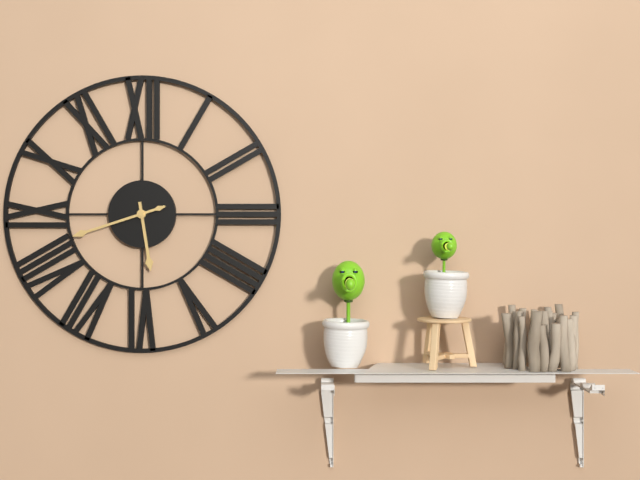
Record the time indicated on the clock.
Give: 5:42
